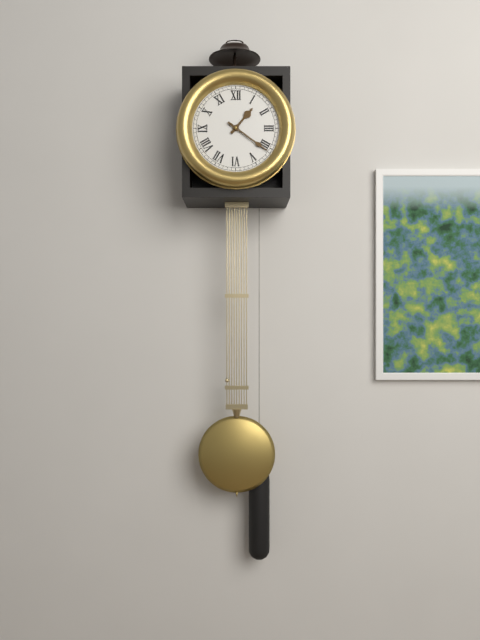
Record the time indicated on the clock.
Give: 1:21
